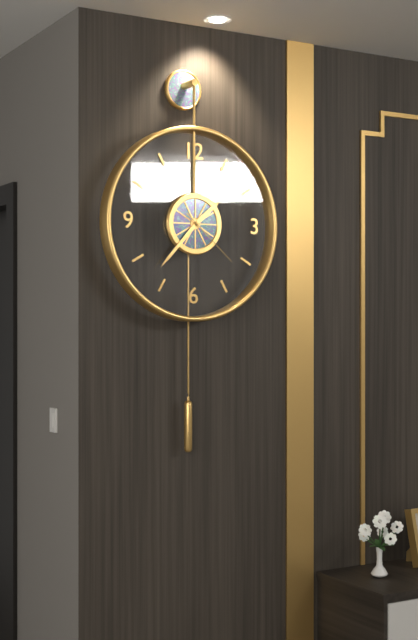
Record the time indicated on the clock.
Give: 1:37:22
